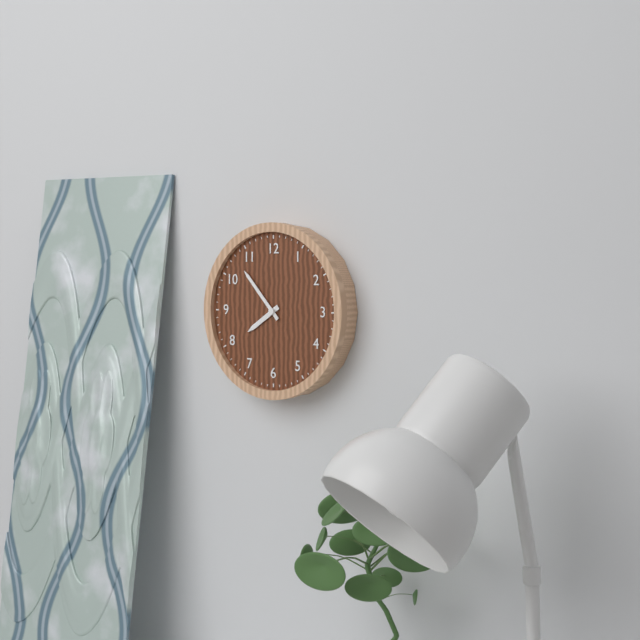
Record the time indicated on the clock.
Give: 7:53
